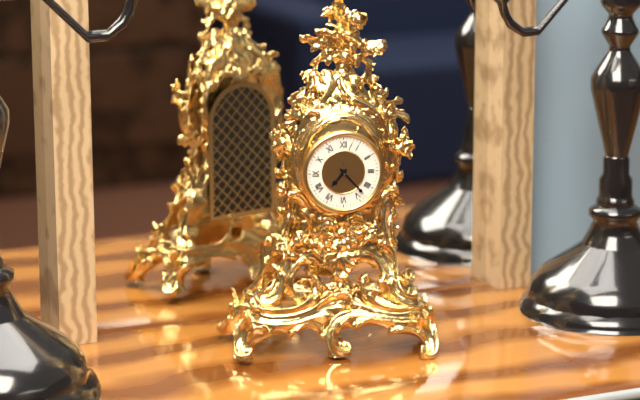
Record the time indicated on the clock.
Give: 7:23
